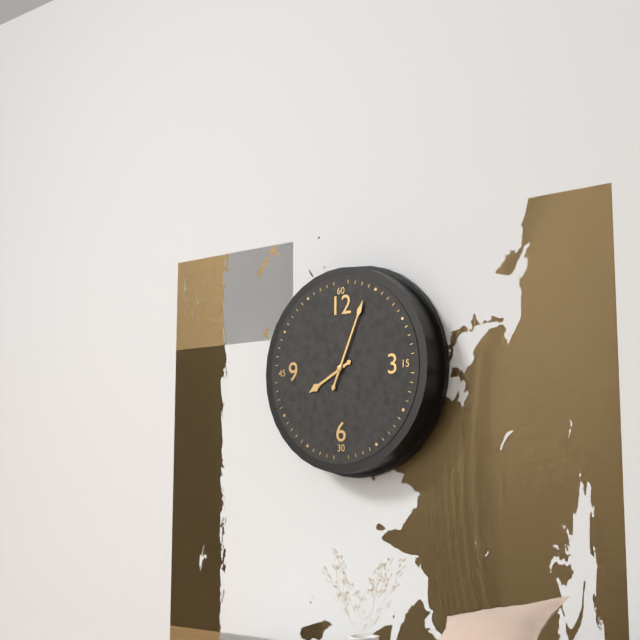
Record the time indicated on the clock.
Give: 8:04
